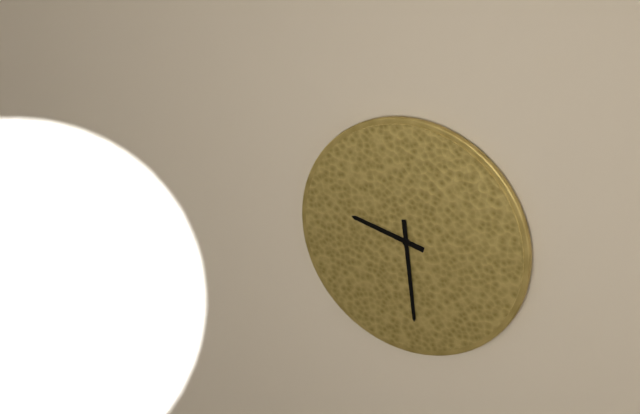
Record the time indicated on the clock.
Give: 9:29
